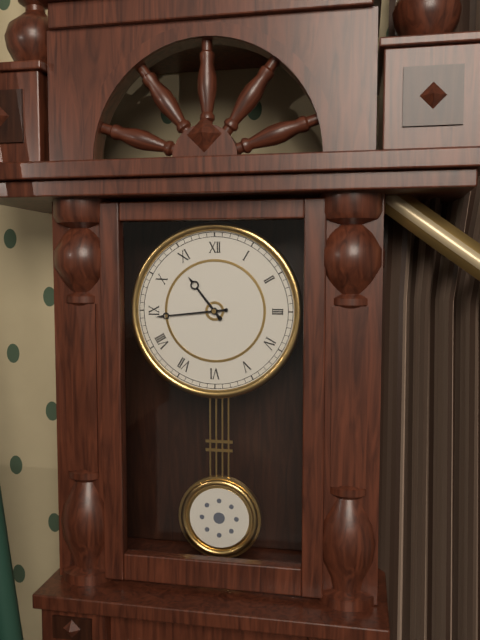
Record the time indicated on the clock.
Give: 10:44
